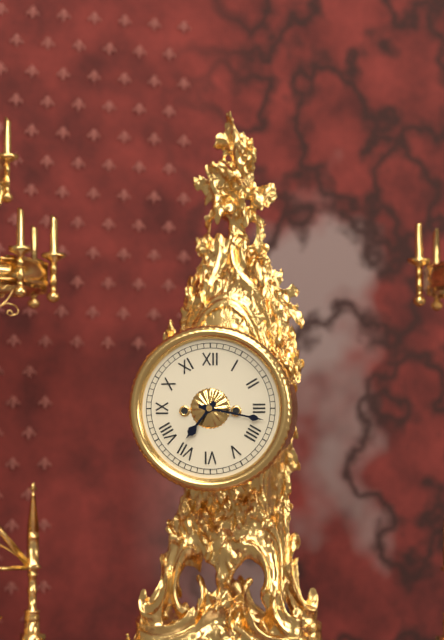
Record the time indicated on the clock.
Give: 7:17
